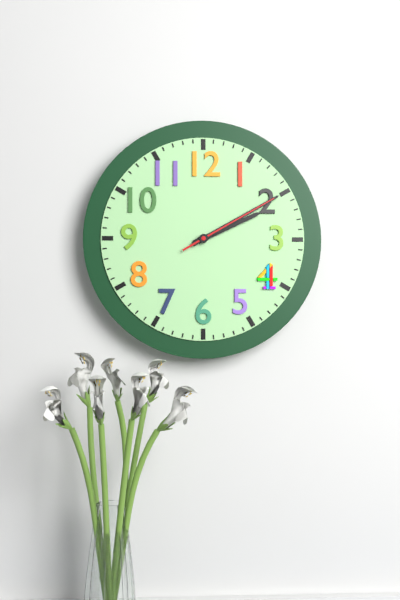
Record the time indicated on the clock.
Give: 2:10:10
